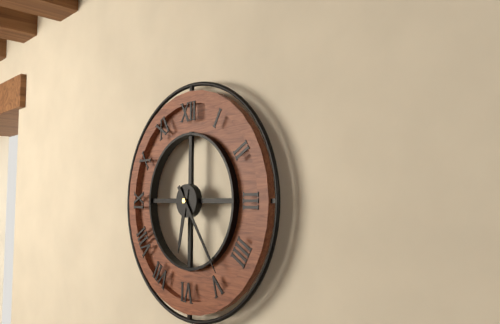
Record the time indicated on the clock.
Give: 6:24
